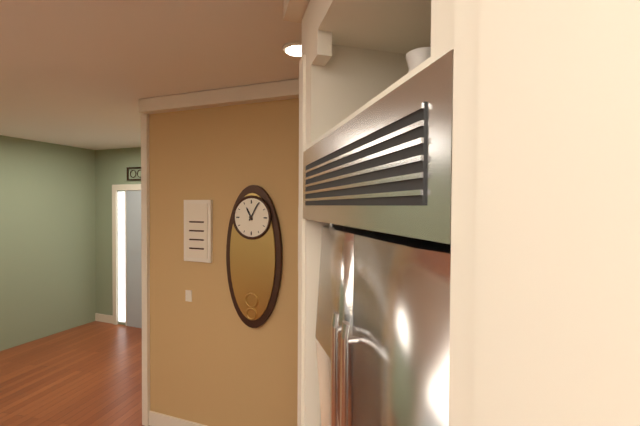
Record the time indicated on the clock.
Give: 11:05
